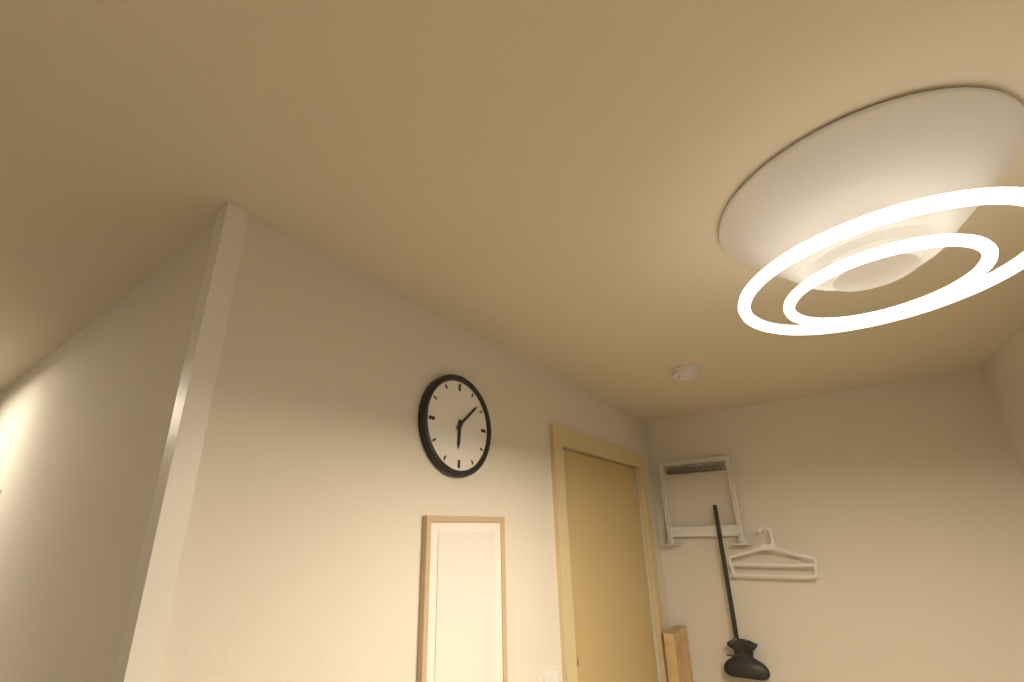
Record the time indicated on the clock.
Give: 6:08
